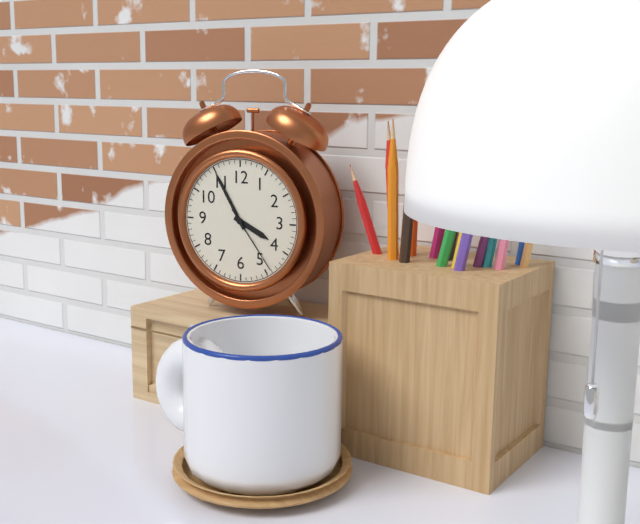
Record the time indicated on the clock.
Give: 3:55:24
